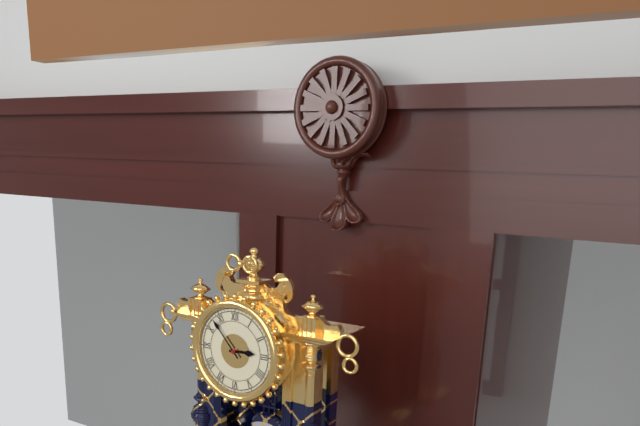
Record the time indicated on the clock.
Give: 2:53
